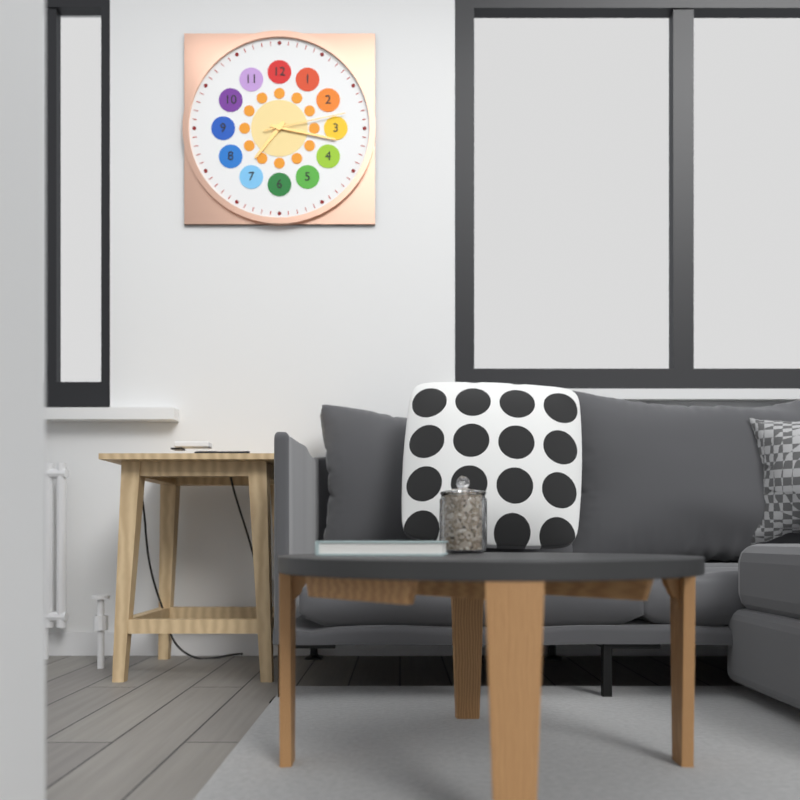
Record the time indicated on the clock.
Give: 7:17:13
